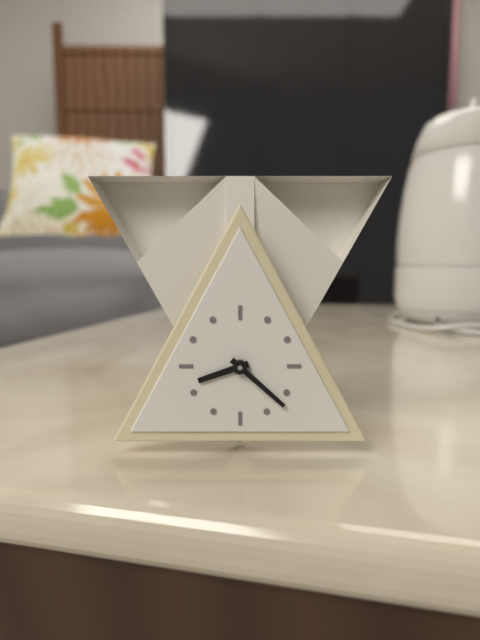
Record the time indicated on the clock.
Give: 8:22
